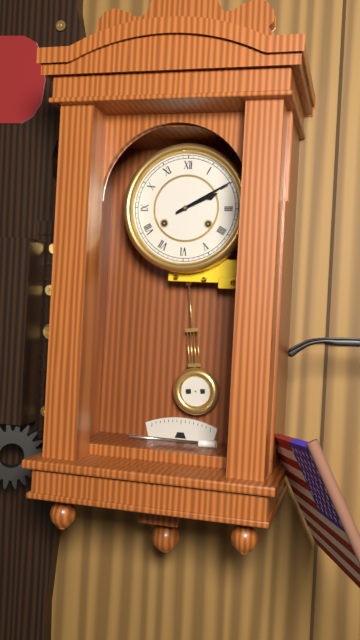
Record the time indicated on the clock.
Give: 2:10
